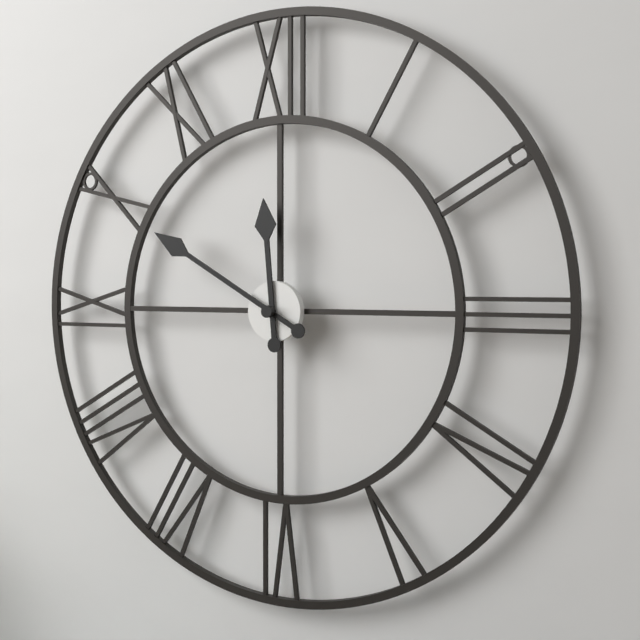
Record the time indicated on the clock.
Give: 11:50
